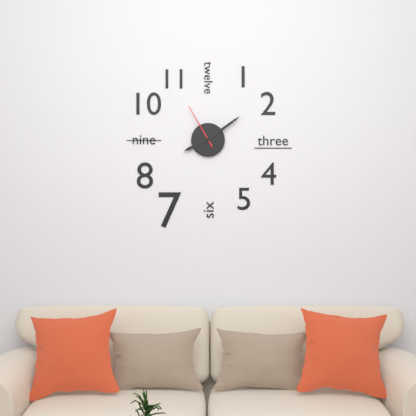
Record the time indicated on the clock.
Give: 8:09
